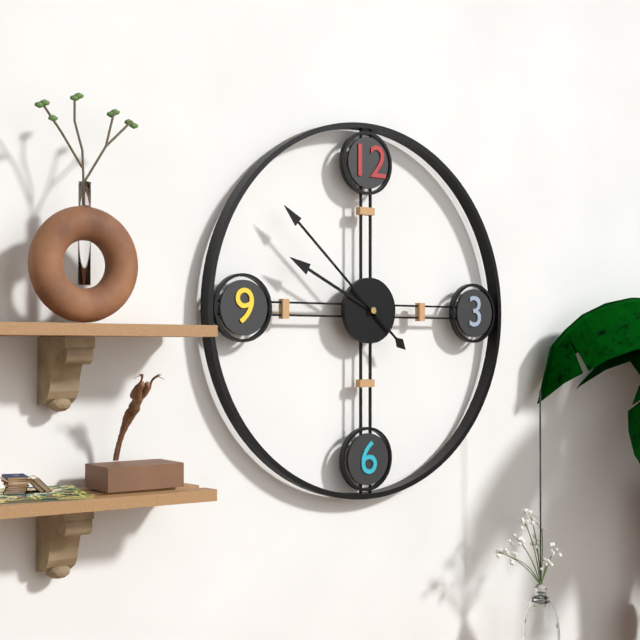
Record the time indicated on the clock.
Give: 9:52
